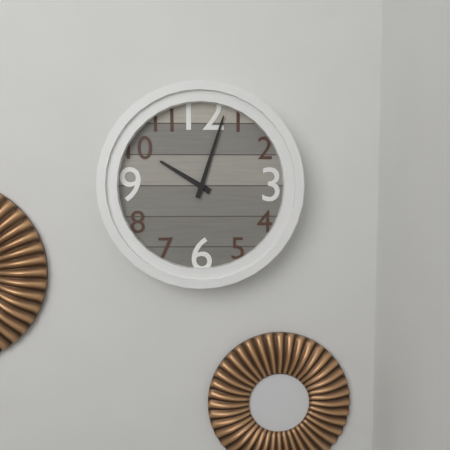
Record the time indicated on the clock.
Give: 10:03
